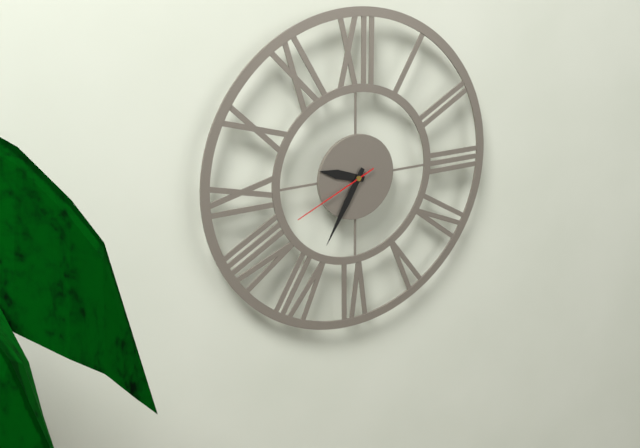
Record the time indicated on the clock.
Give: 9:35:41
